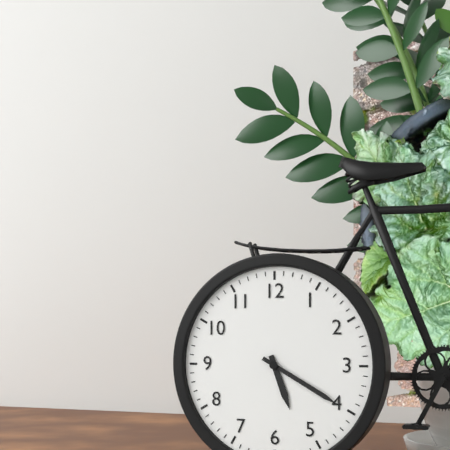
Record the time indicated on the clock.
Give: 5:20
